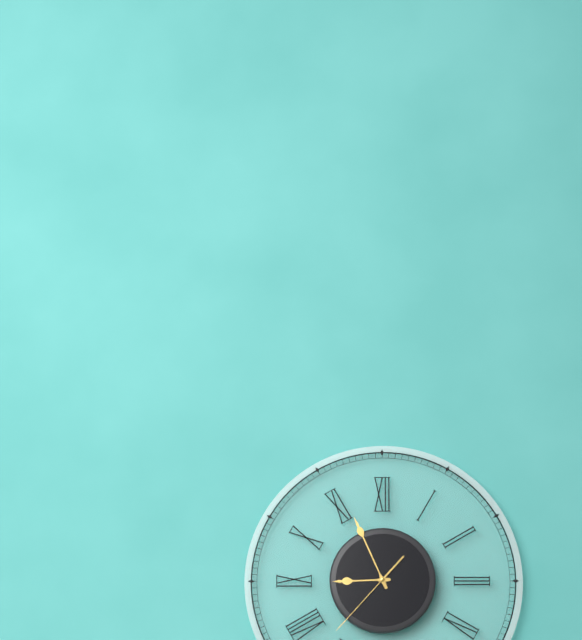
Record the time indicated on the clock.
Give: 8:56:37
